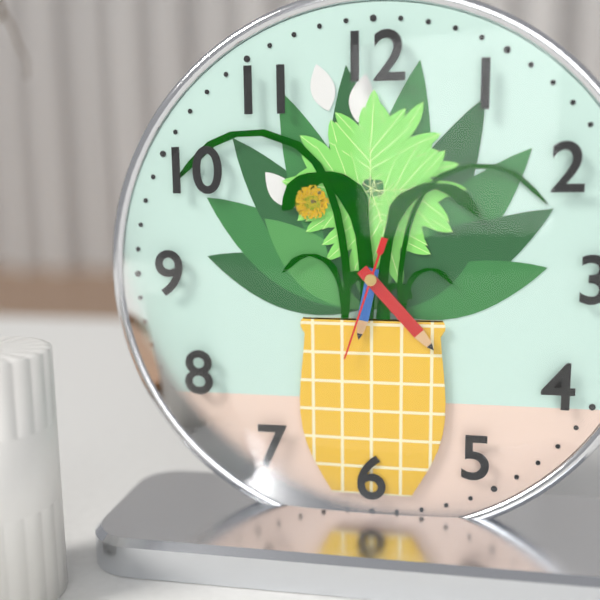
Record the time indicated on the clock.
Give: 6:23:33
